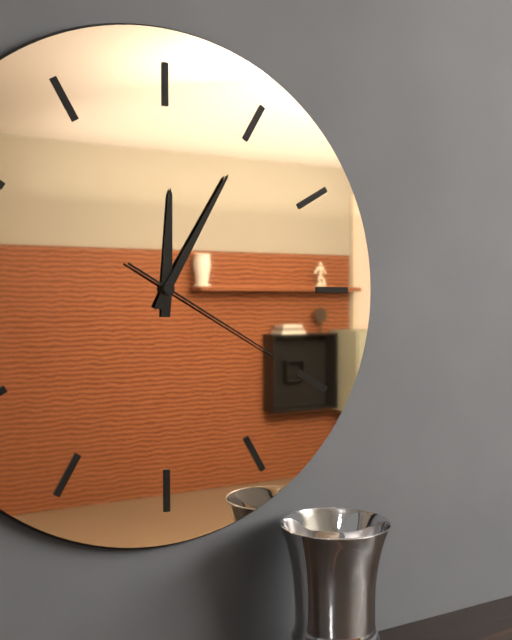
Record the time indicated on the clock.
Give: 12:05:20
